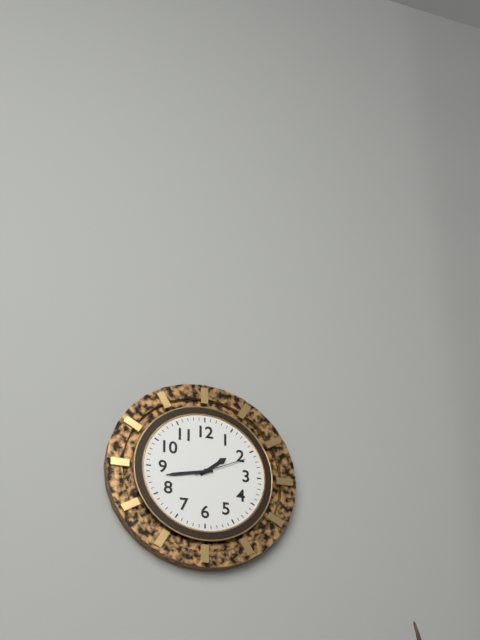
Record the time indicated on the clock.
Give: 1:43:11
